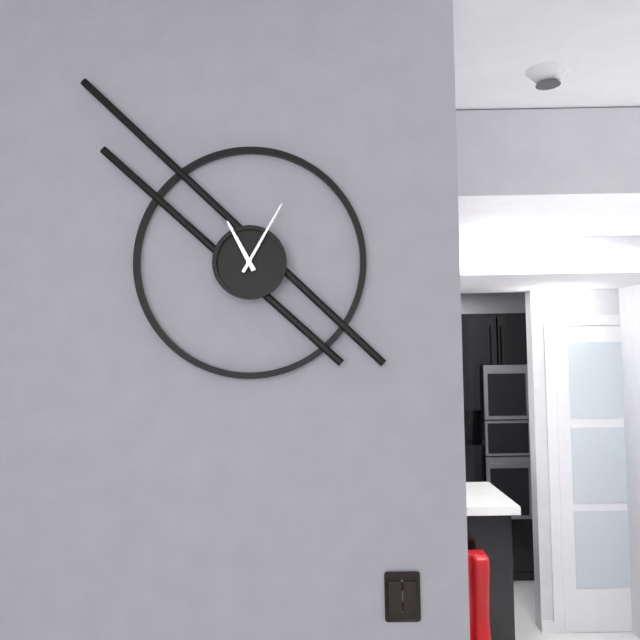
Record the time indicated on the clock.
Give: 11:05
